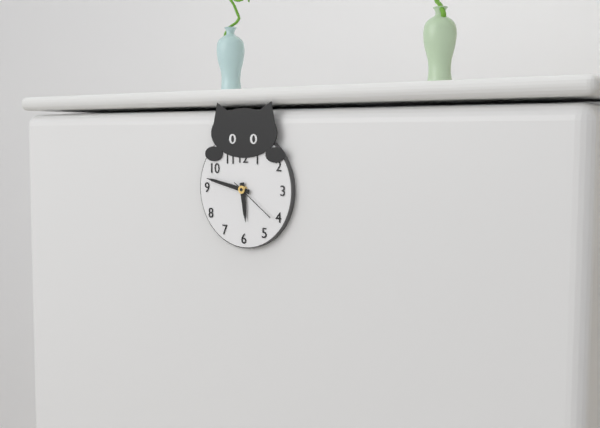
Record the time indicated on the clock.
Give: 5:47:21
